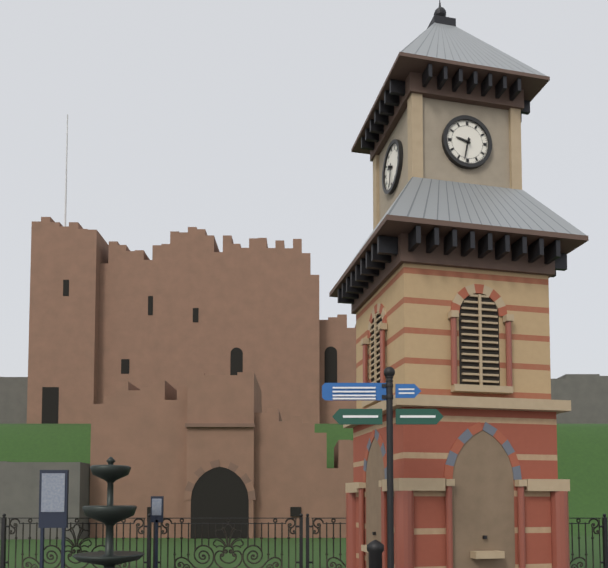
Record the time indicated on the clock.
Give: 9:32
